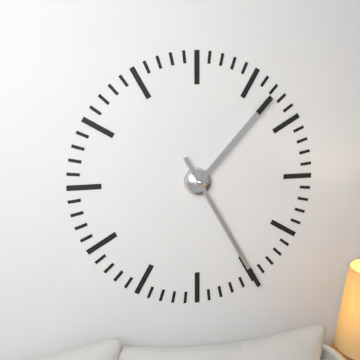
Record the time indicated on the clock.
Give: 1:25
